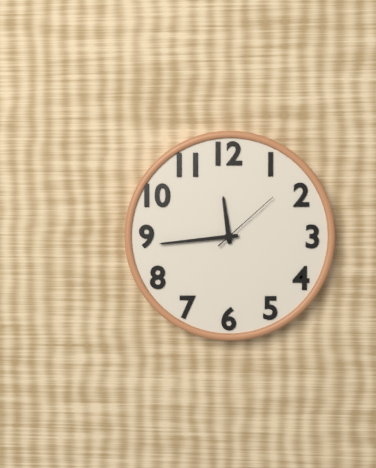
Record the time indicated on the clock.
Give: 11:44:08
